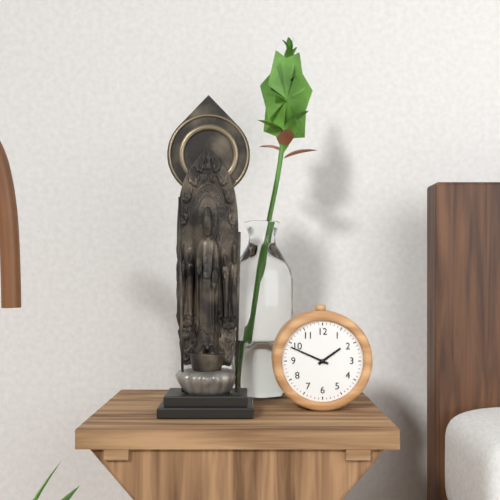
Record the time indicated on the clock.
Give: 1:49
